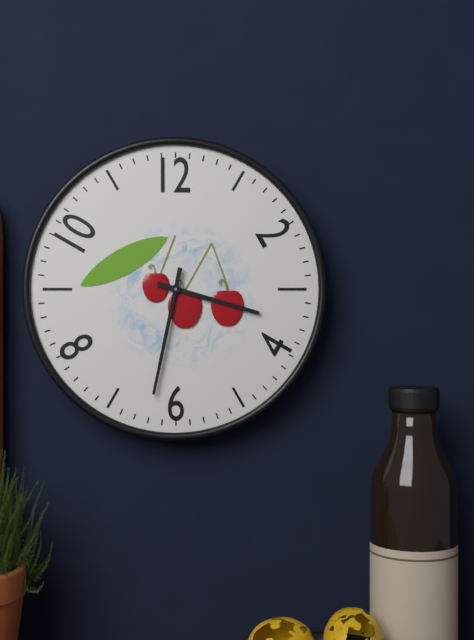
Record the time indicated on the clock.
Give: 3:32
